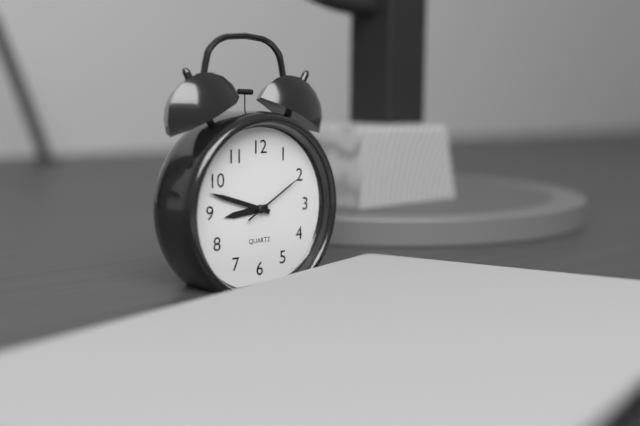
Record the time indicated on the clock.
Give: 8:48:10
